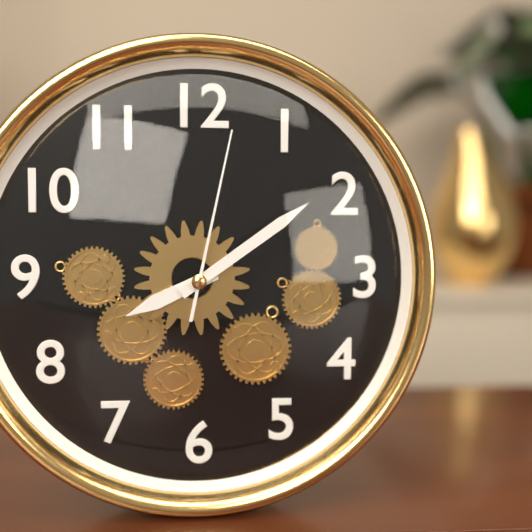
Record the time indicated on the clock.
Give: 8:09:02
